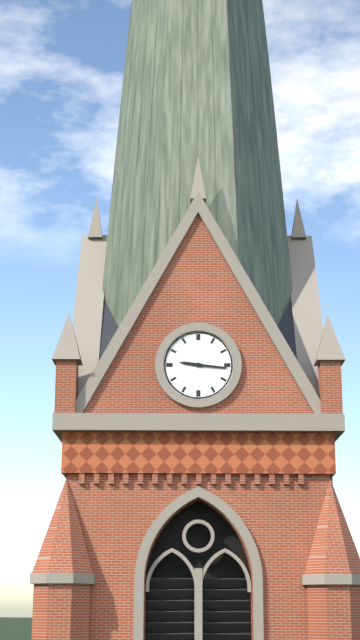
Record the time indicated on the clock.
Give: 9:16
